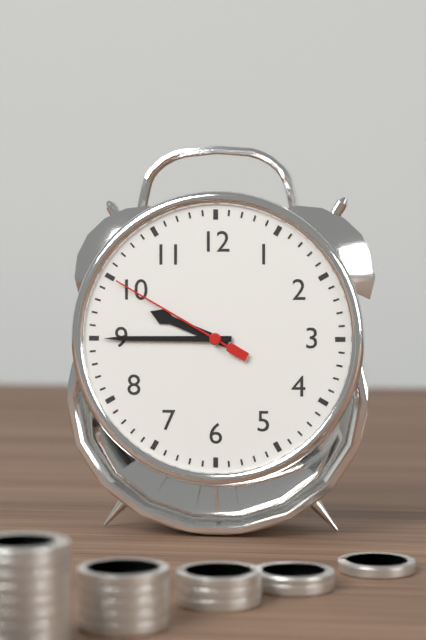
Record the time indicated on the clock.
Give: 9:45:50
